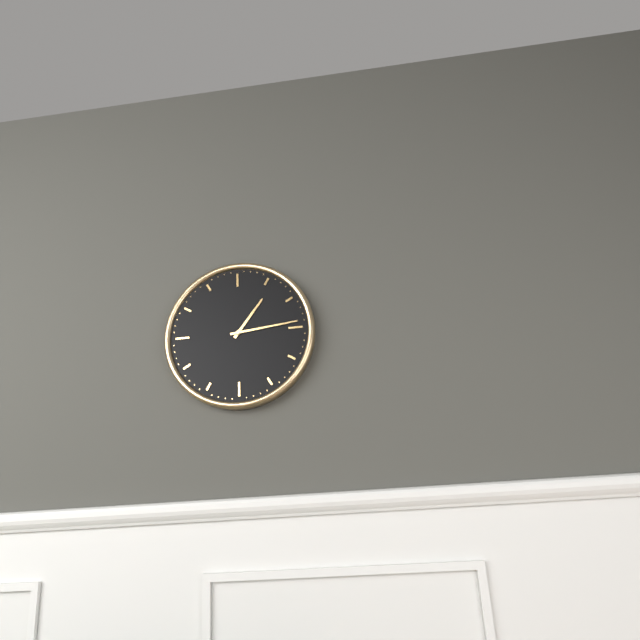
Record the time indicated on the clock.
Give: 1:14
